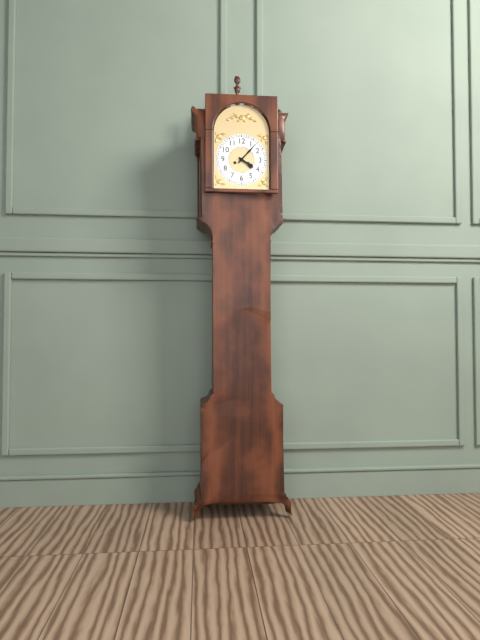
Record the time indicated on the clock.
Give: 4:07
